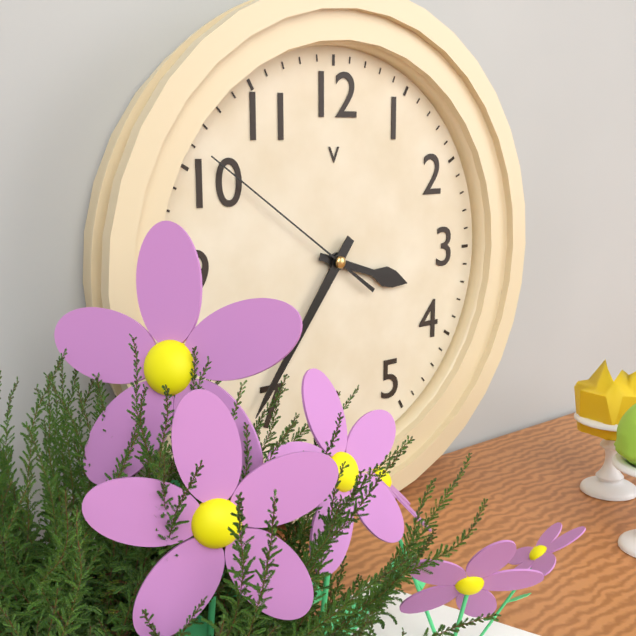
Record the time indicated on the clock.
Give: 3:36:51
